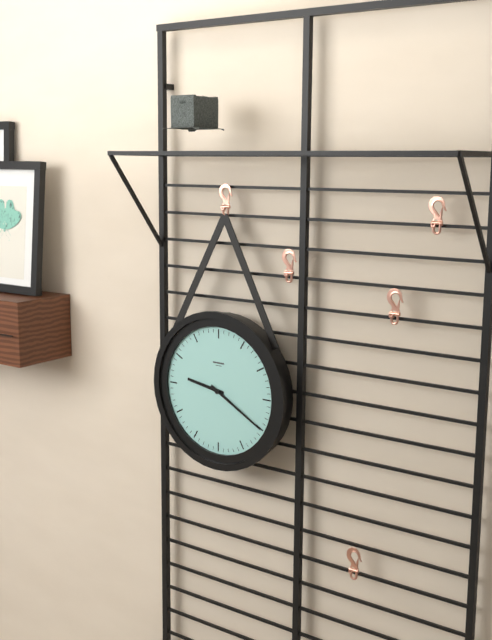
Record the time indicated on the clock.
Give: 9:20
